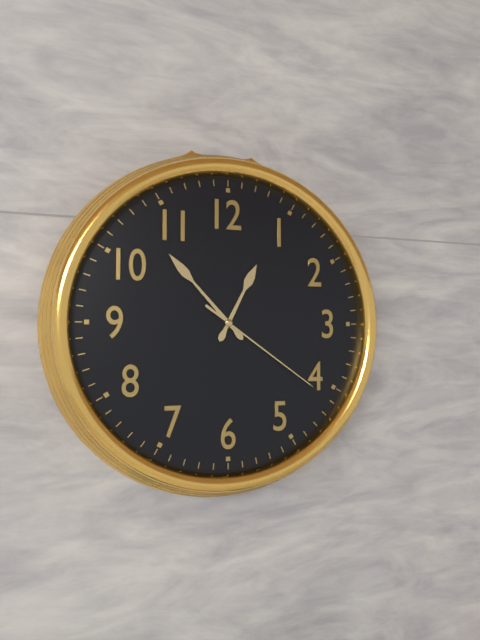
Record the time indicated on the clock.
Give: 12:53:21
